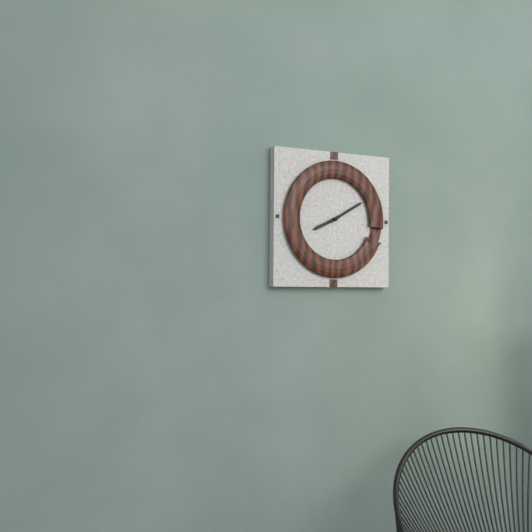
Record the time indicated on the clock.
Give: 8:10
